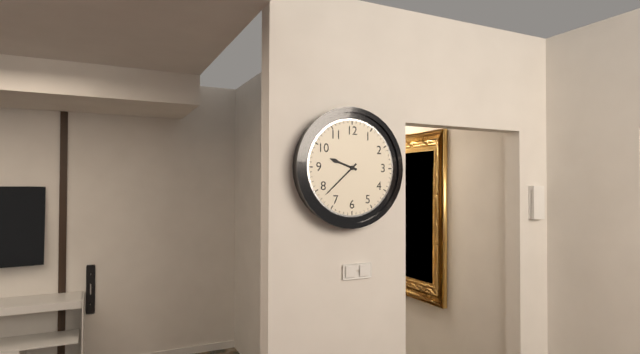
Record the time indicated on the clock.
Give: 9:38
